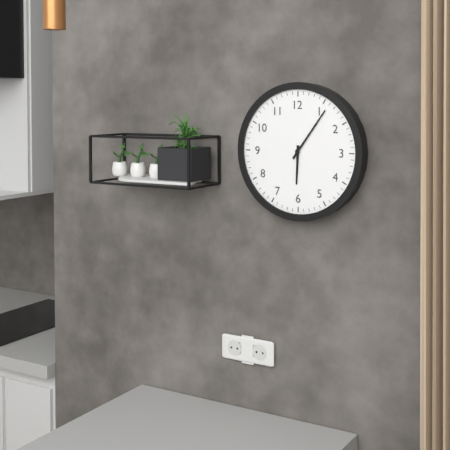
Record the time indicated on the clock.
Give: 6:06
